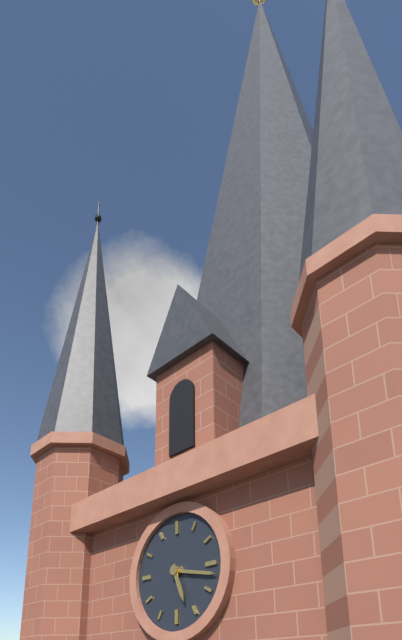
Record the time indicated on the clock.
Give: 5:17
